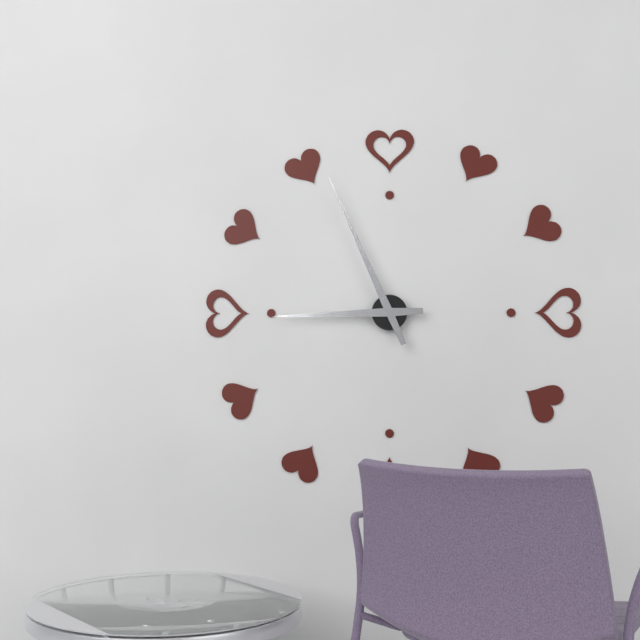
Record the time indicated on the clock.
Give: 8:56
